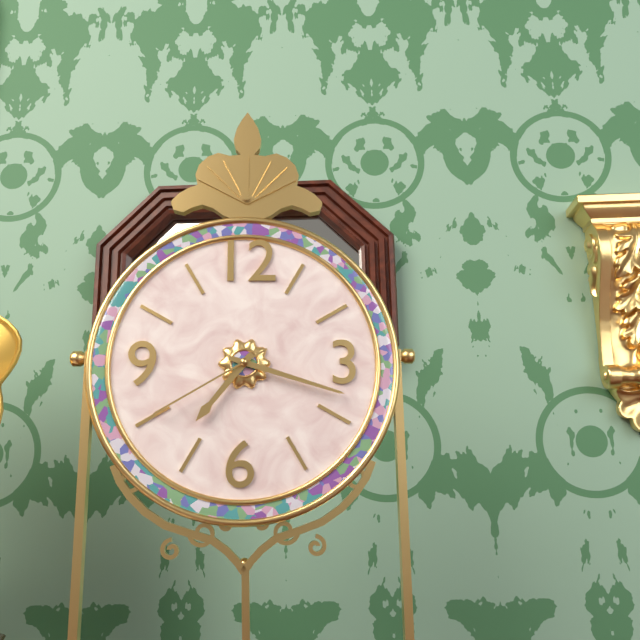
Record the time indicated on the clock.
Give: 7:18:40
